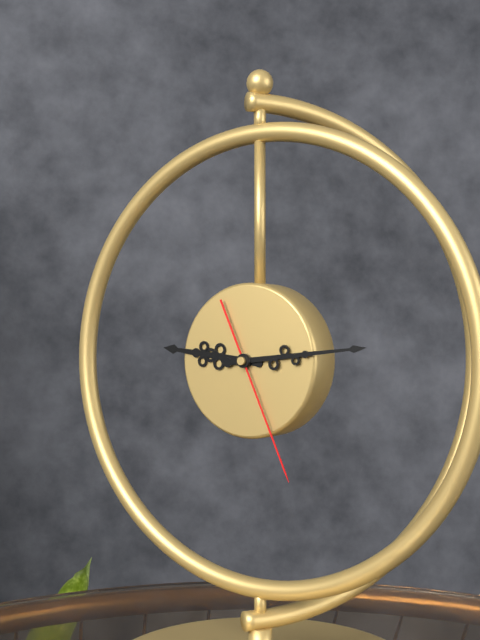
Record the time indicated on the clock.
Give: 9:14:26
